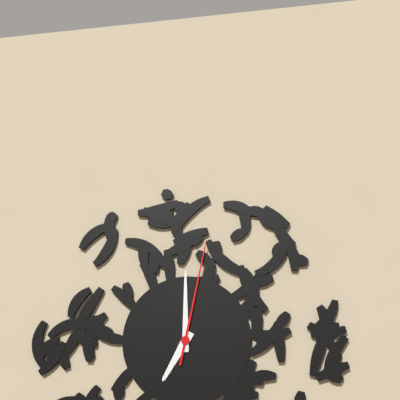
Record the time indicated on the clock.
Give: 7:00:02
